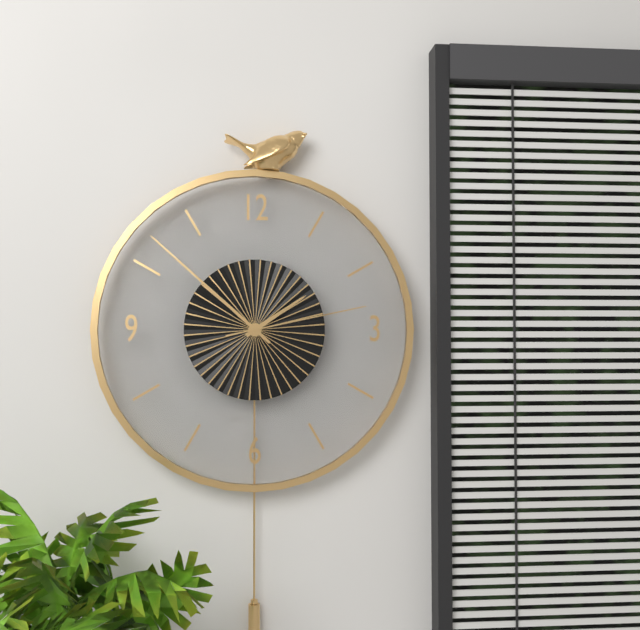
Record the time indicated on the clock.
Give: 1:52:13
